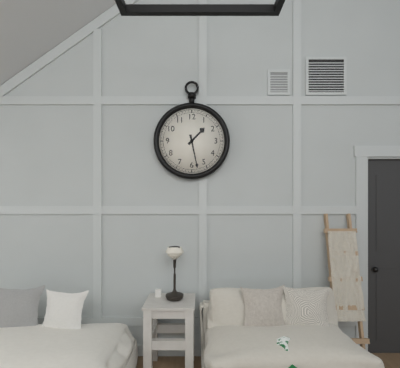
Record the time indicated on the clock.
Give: 1:28
